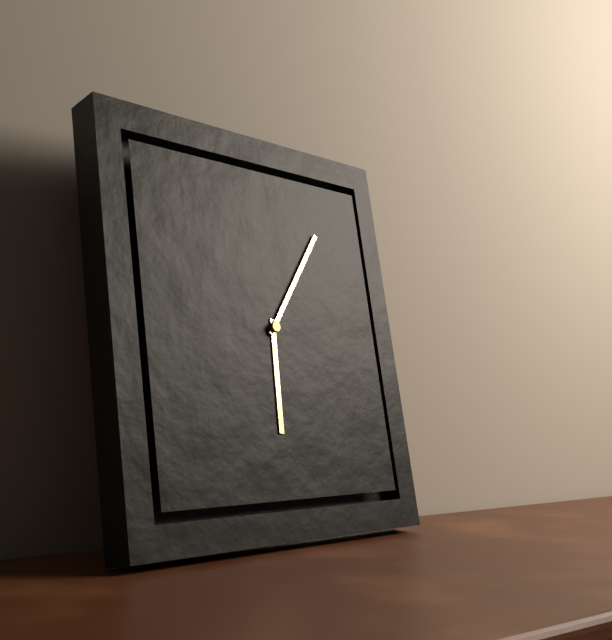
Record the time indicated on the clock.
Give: 6:06
